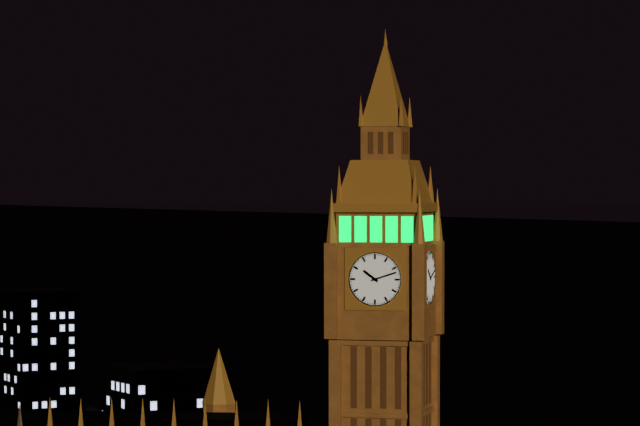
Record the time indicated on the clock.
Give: 10:12
